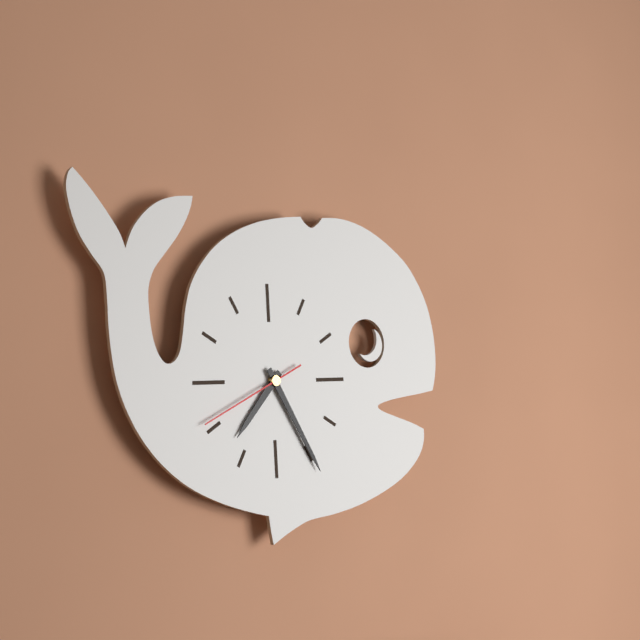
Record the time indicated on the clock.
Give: 7:25:41
